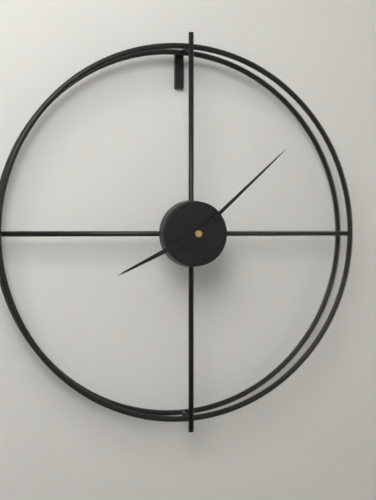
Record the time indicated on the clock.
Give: 8:08
